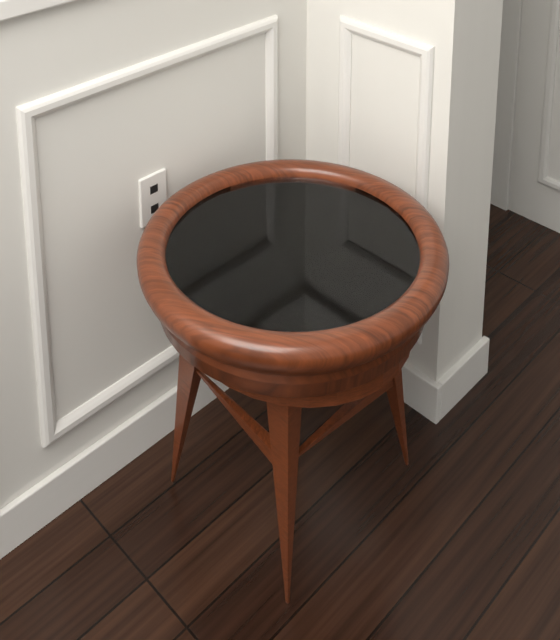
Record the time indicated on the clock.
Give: 12:09
